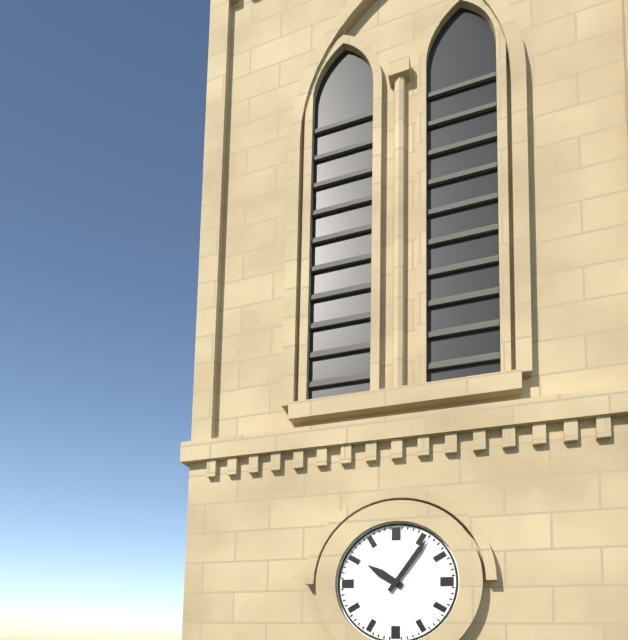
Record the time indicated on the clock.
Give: 10:06
